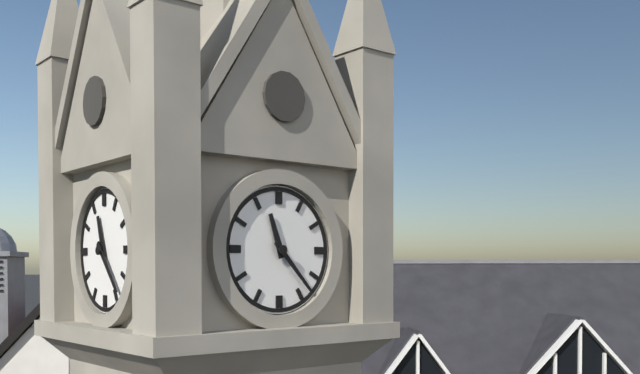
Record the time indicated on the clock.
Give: 11:23
